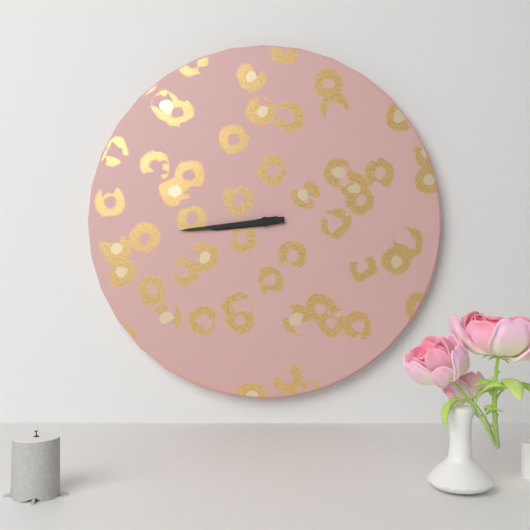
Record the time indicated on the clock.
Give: 8:44
